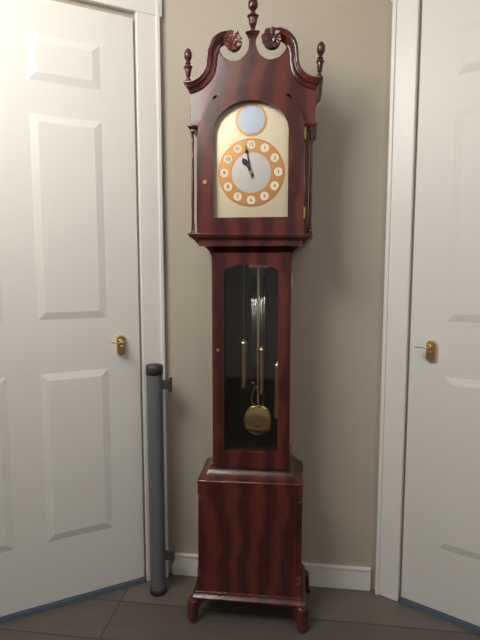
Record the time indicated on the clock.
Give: 10:58
